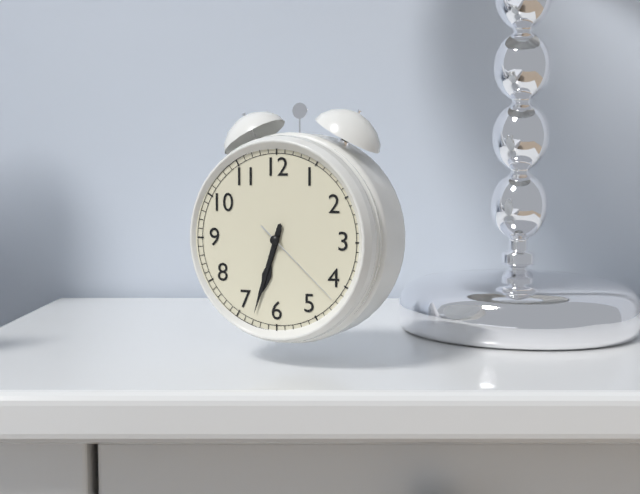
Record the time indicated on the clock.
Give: 6:33:22
